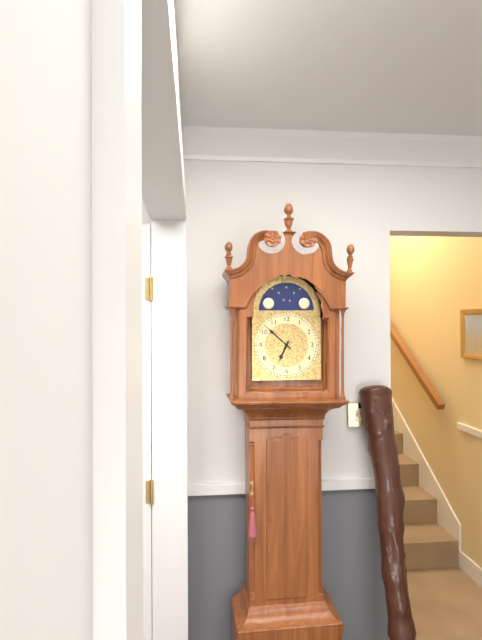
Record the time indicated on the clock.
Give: 6:52
